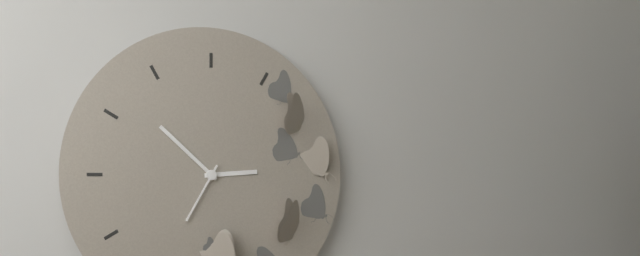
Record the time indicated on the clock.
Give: 2:52:35
